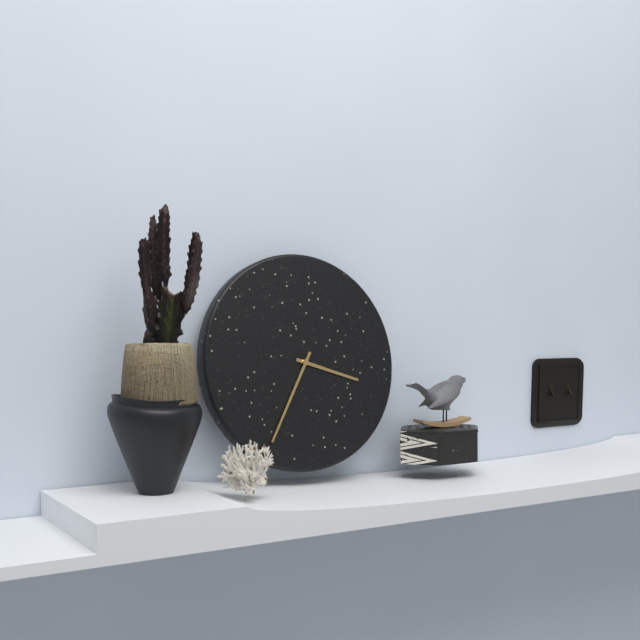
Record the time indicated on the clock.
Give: 3:35
